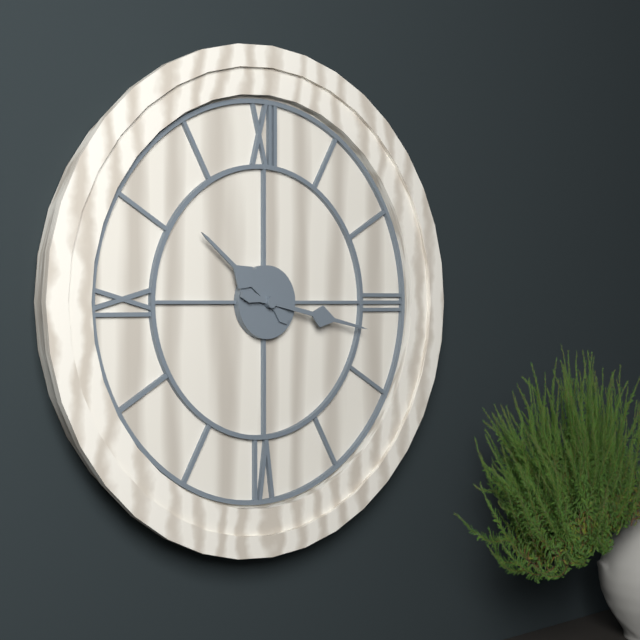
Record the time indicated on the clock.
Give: 10:17
